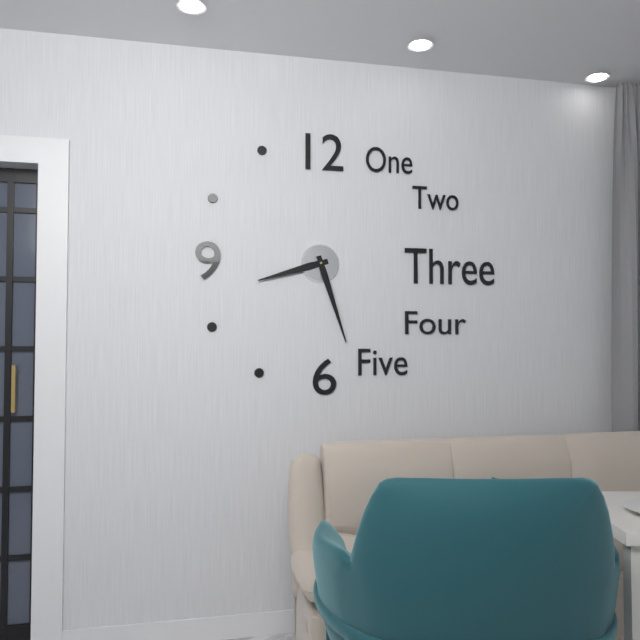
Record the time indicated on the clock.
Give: 8:27
